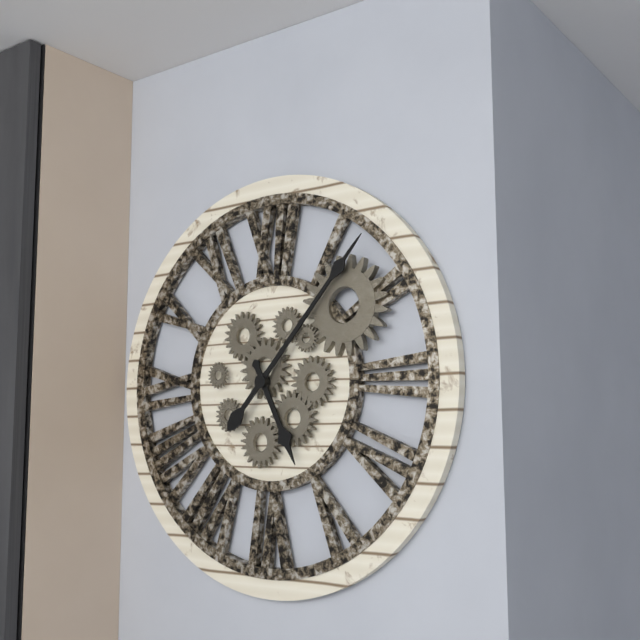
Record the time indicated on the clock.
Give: 5:07
